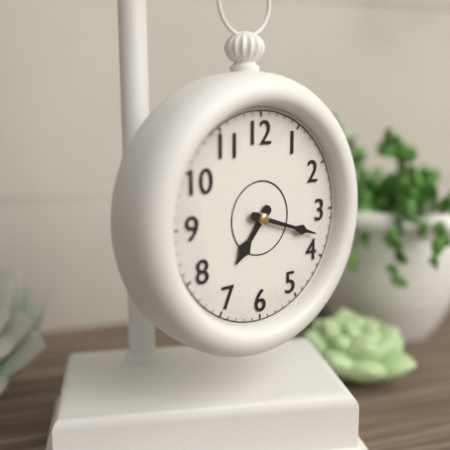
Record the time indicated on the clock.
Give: 7:18
